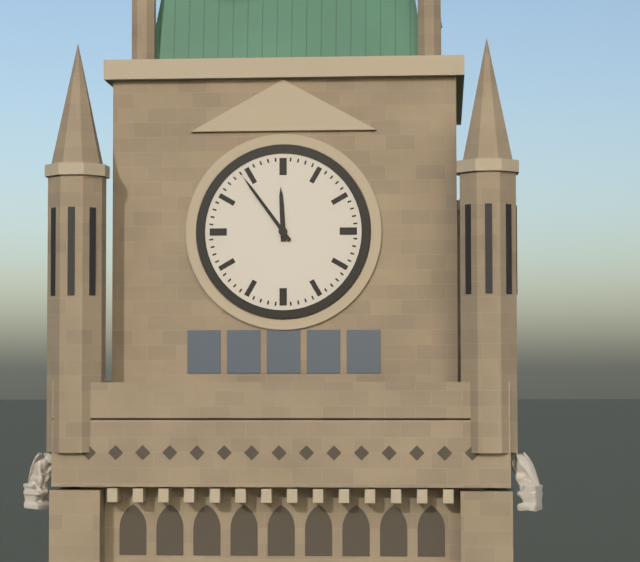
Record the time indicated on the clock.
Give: 11:54
